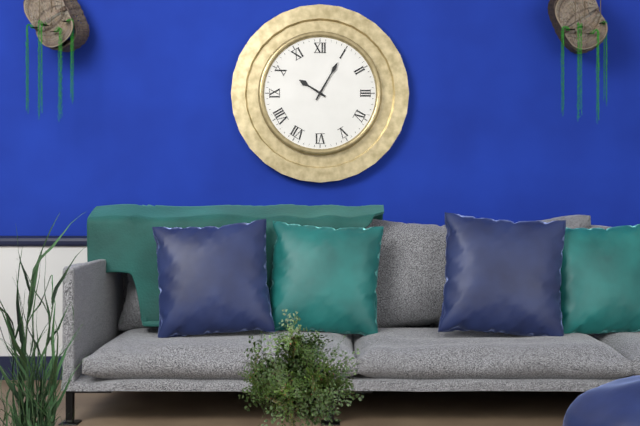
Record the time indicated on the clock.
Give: 10:05
